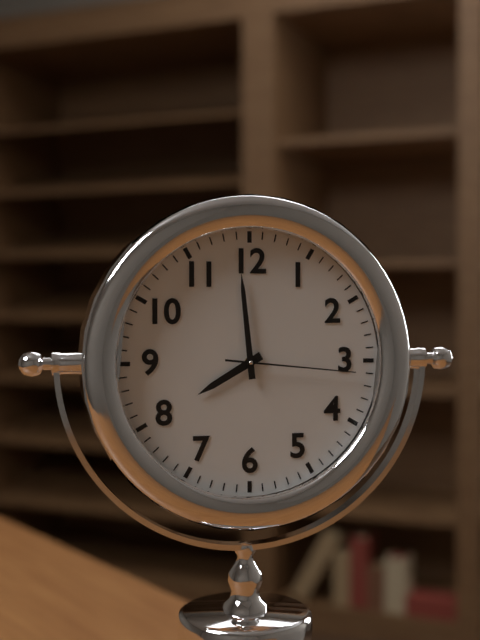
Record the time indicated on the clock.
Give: 7:59:16
